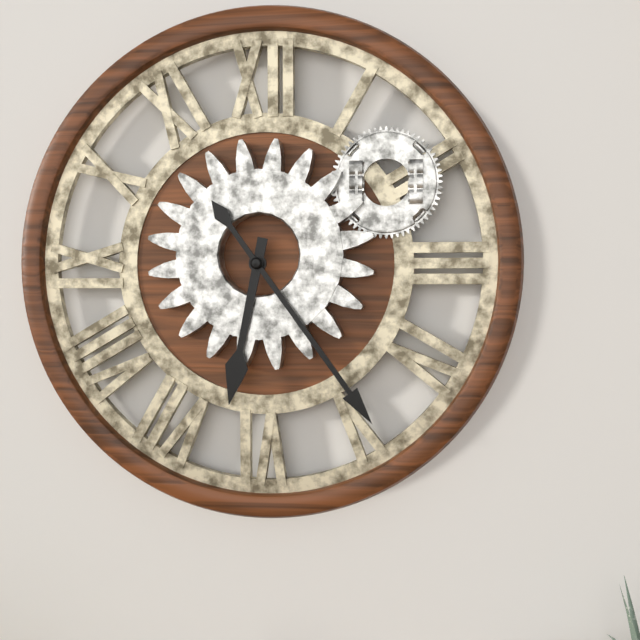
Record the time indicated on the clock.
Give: 6:24
